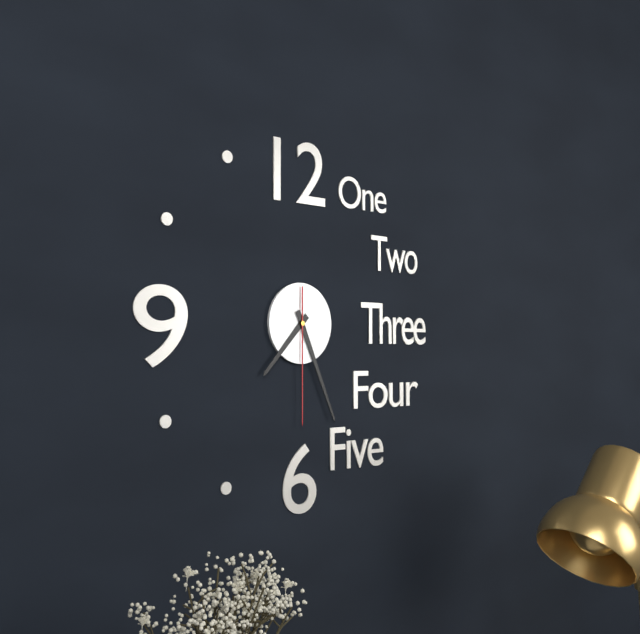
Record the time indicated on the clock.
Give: 7:26:30
